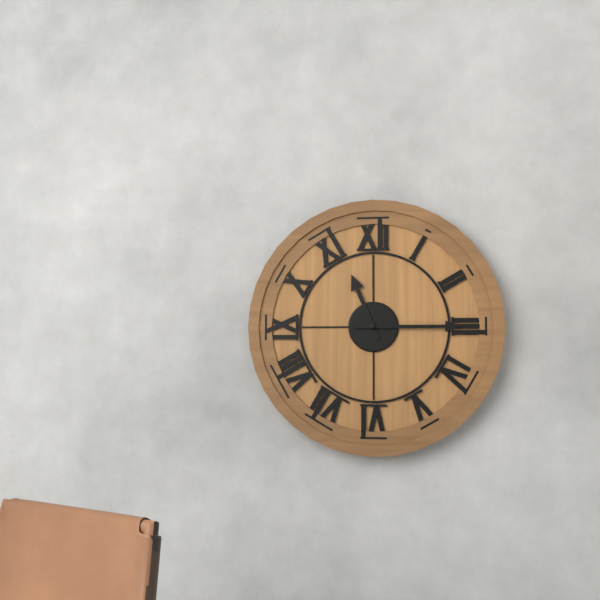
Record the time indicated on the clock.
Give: 11:15
